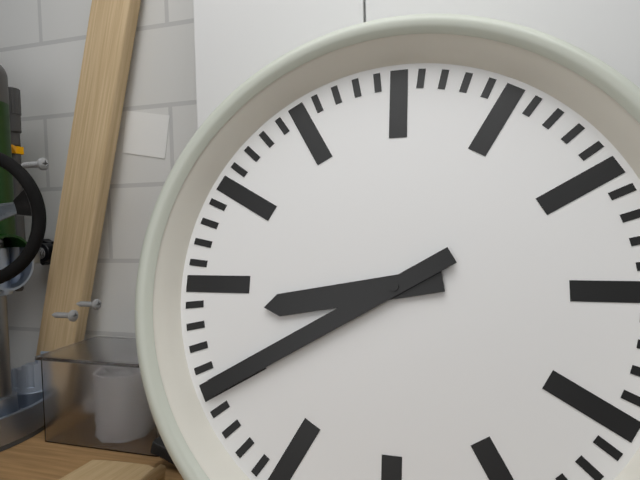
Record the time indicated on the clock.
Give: 8:40
